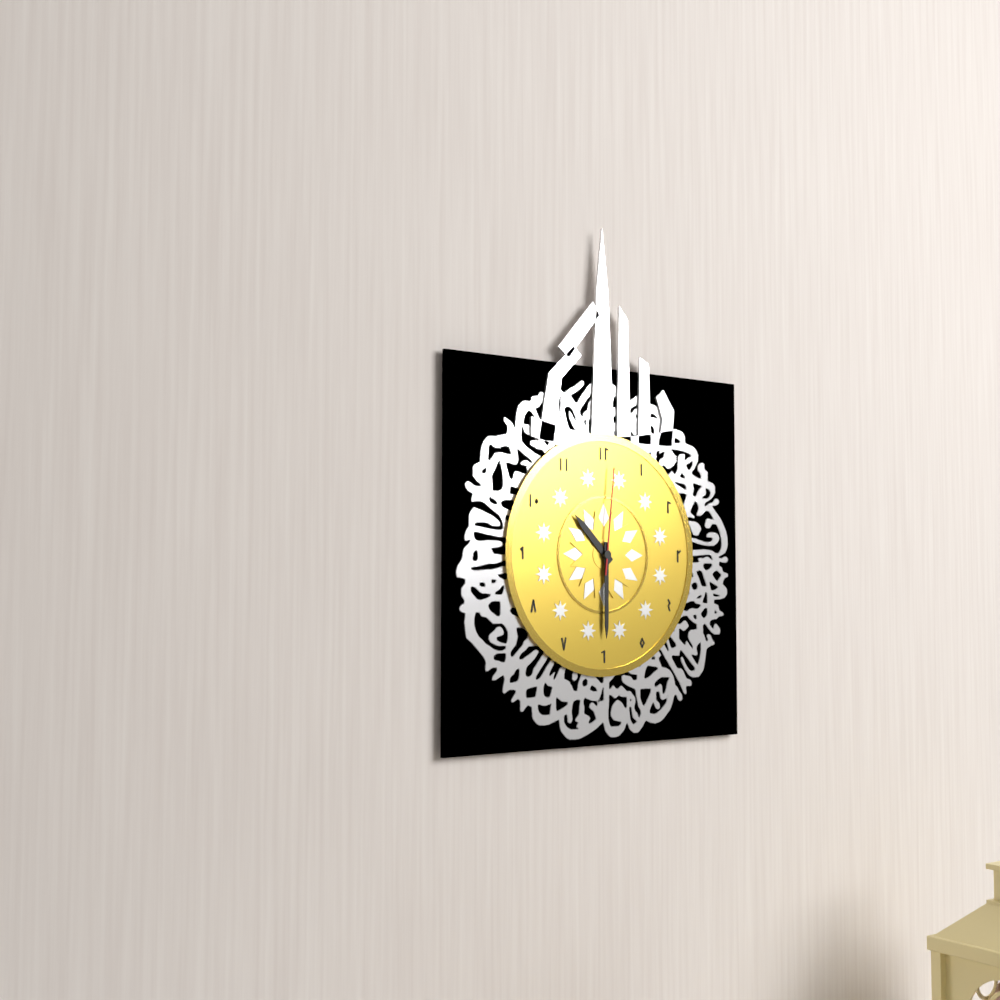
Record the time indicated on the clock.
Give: 10:30:01
